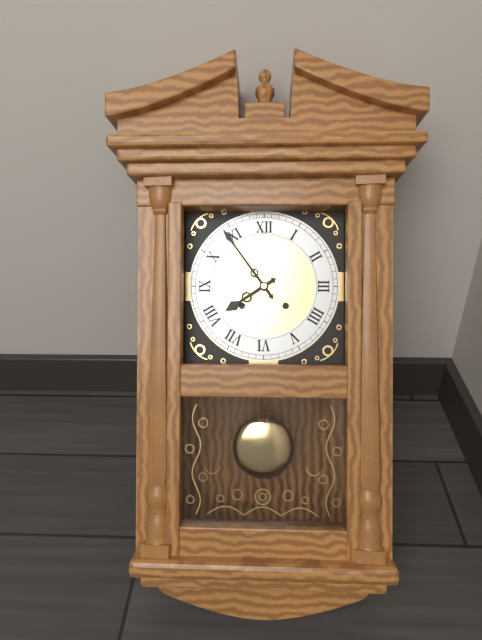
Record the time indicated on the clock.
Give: 7:54
